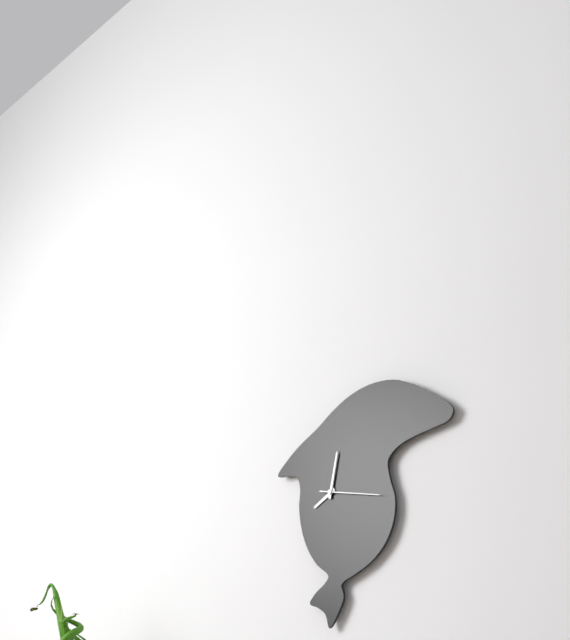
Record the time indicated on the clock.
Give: 8:02:17
